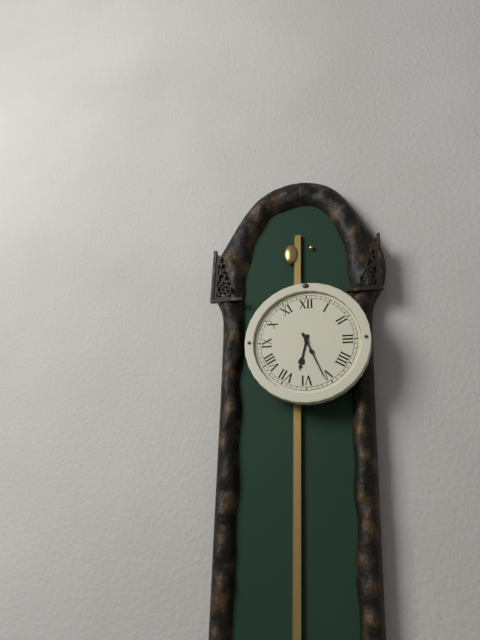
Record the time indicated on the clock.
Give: 6:26
